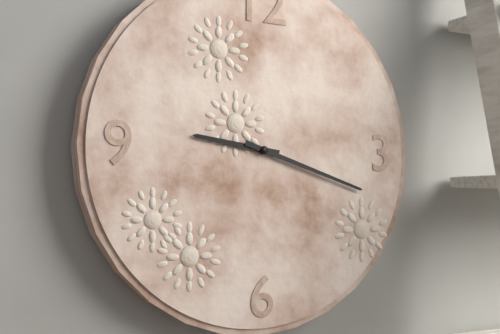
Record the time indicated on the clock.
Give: 9:18
